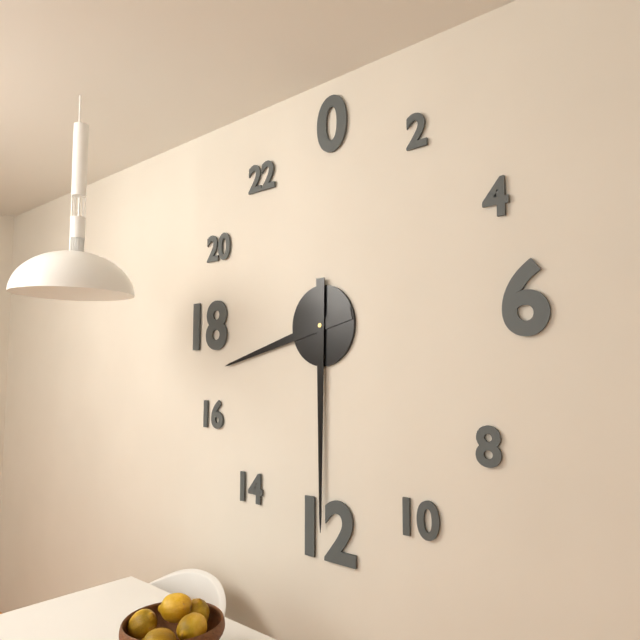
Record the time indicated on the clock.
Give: 8:30
